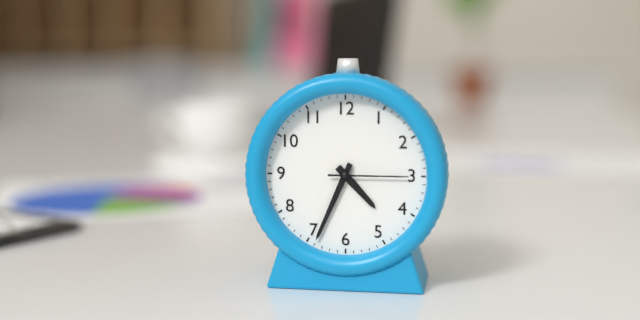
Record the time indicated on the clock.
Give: 4:34:15
